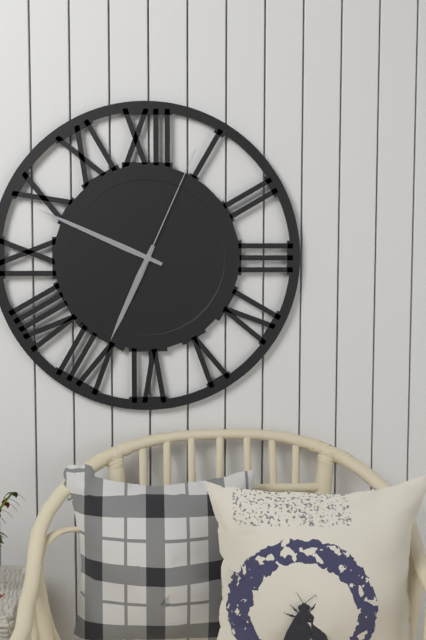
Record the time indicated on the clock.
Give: 6:49:04
